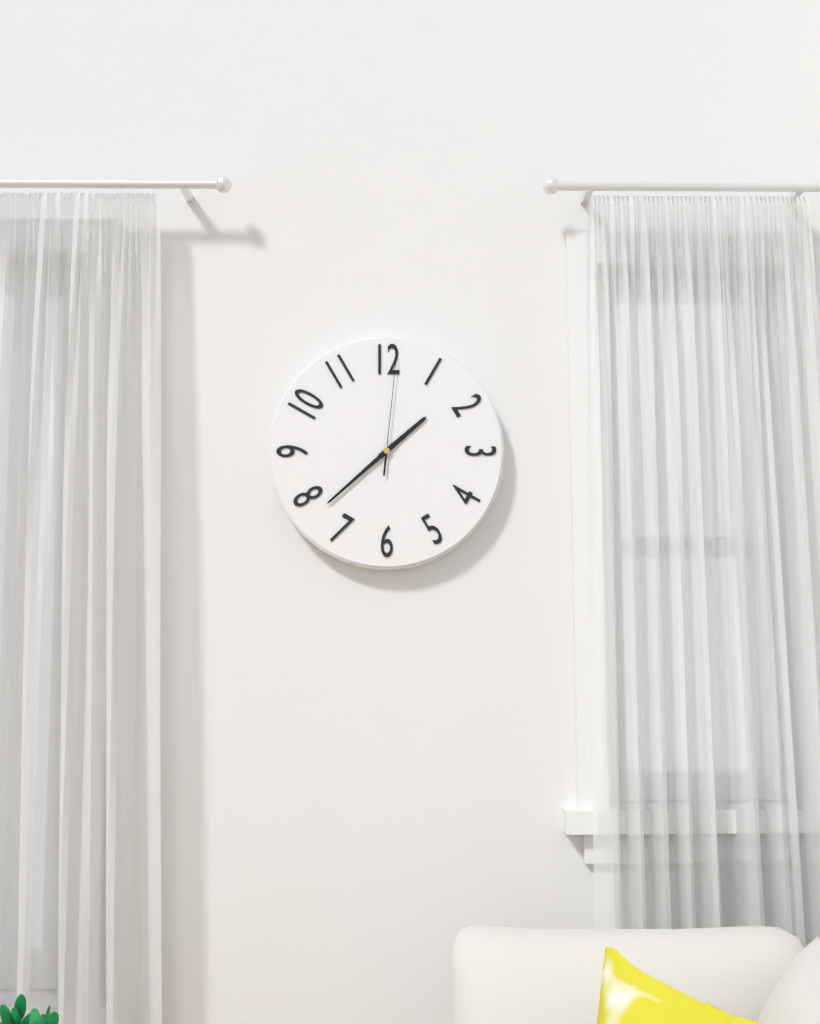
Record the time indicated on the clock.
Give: 1:38:01
